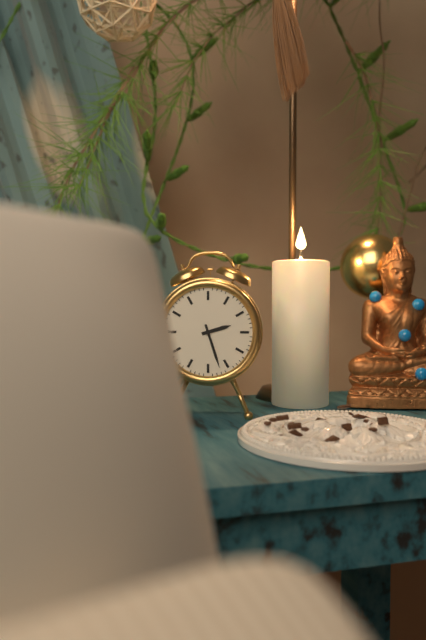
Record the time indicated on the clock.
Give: 2:27
